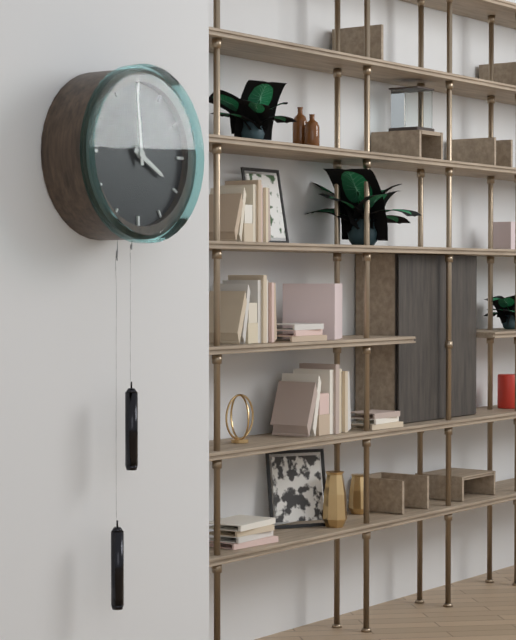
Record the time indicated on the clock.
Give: 3:59
